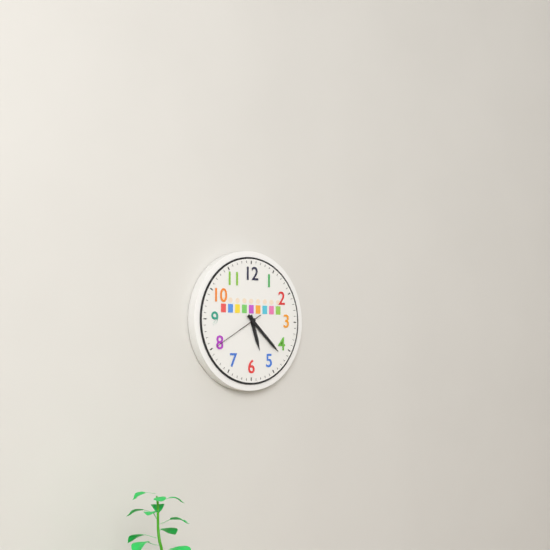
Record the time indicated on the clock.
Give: 5:22:40
